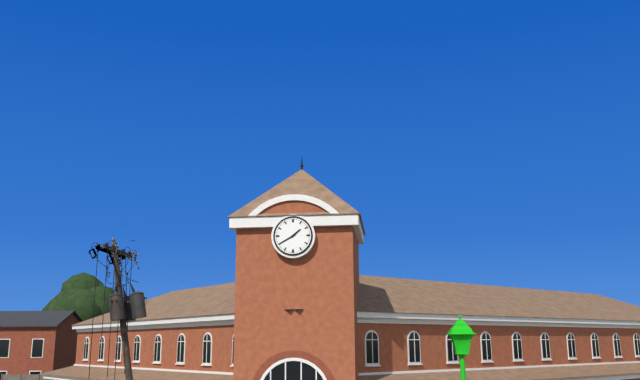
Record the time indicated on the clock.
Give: 1:40
